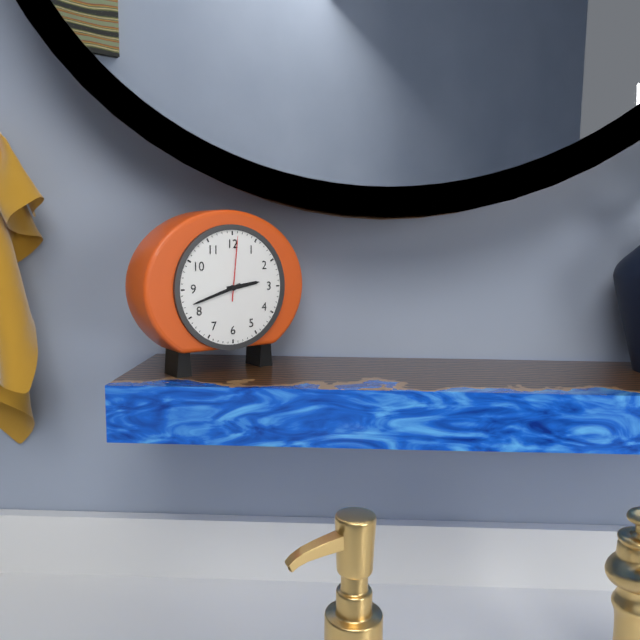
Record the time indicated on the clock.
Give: 2:42:01
